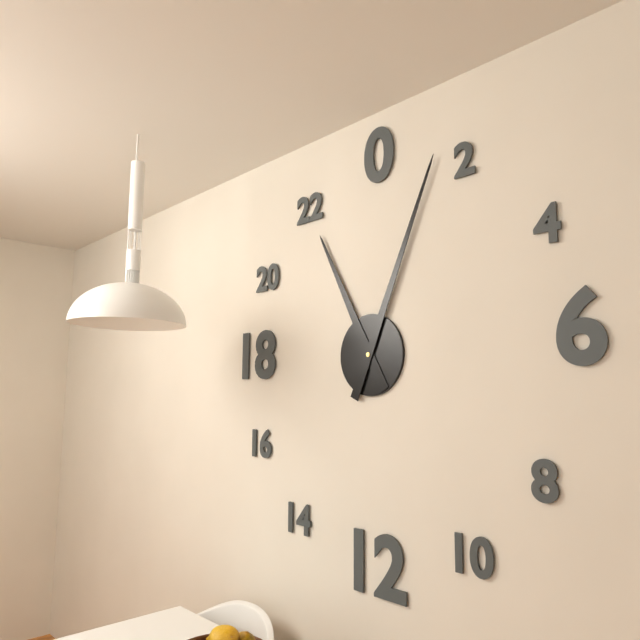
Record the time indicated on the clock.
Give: 11:04
